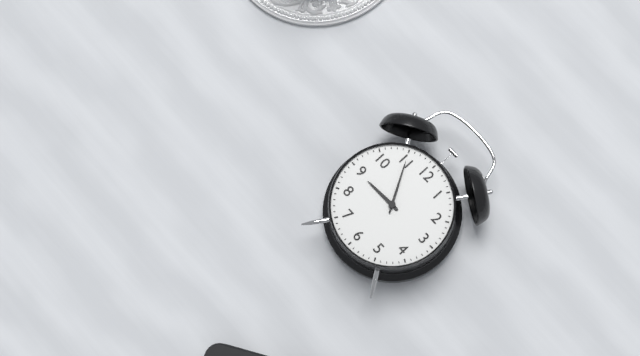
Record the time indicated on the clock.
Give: 8:55
